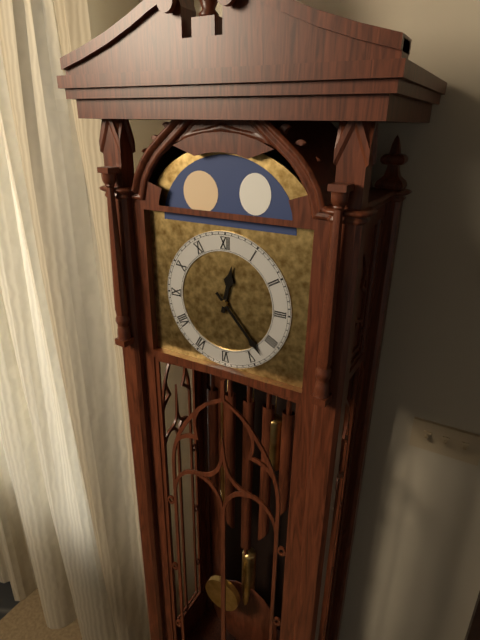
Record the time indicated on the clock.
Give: 12:23
